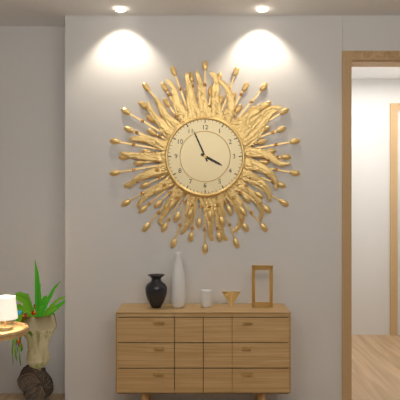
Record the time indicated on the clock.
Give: 3:56
